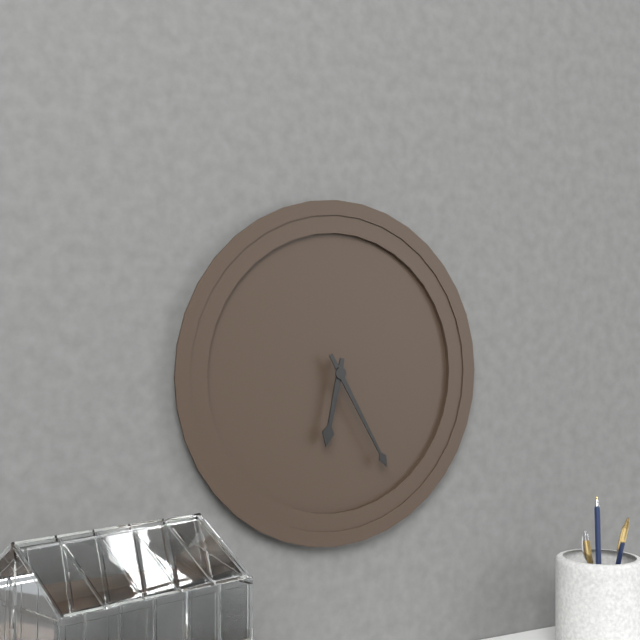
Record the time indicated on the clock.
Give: 6:25
